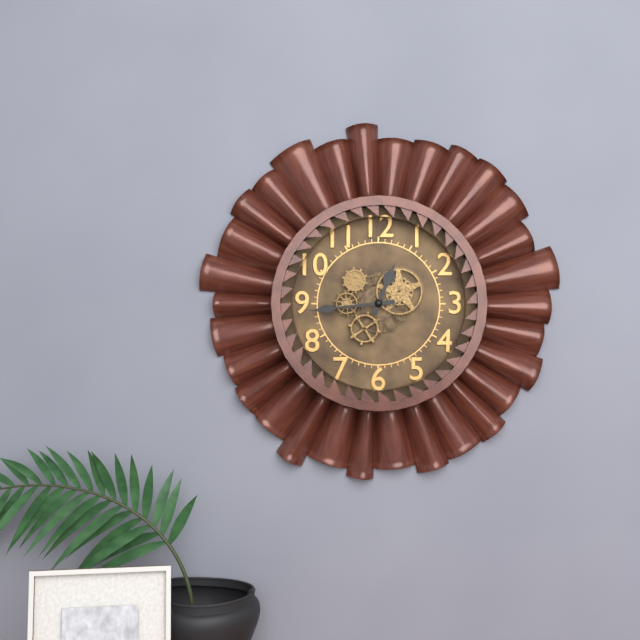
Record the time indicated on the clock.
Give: 12:44
